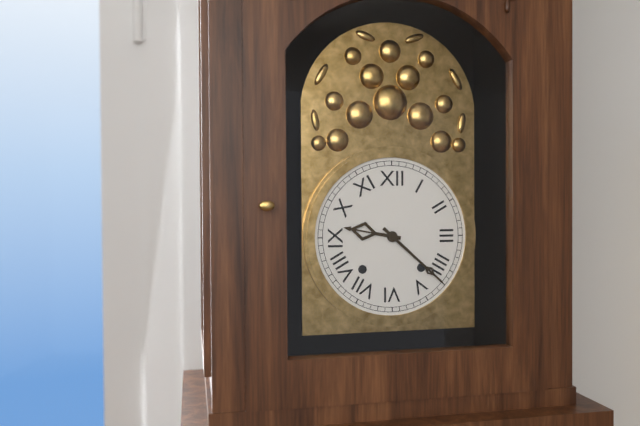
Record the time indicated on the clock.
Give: 9:22
